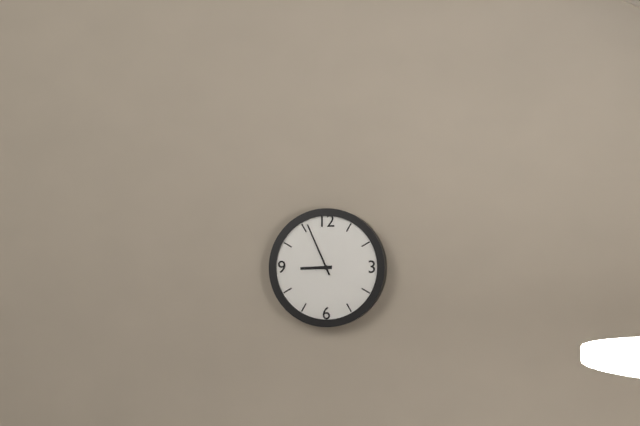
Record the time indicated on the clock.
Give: 8:56
